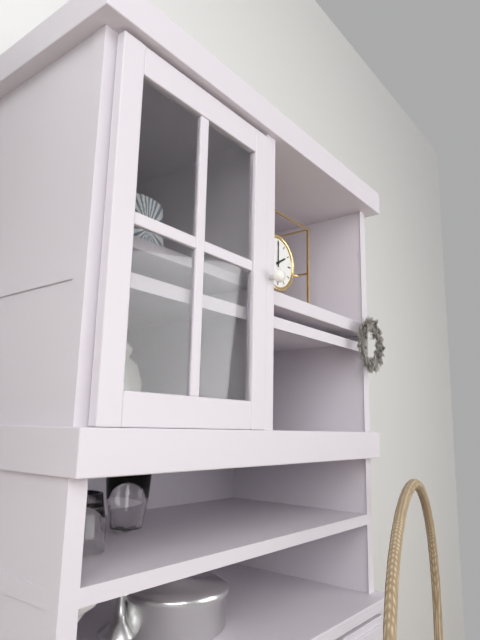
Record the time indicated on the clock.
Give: 2:00
